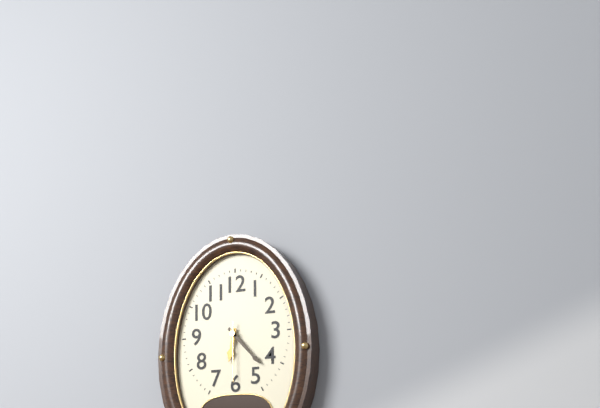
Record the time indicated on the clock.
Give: 6:23:30
